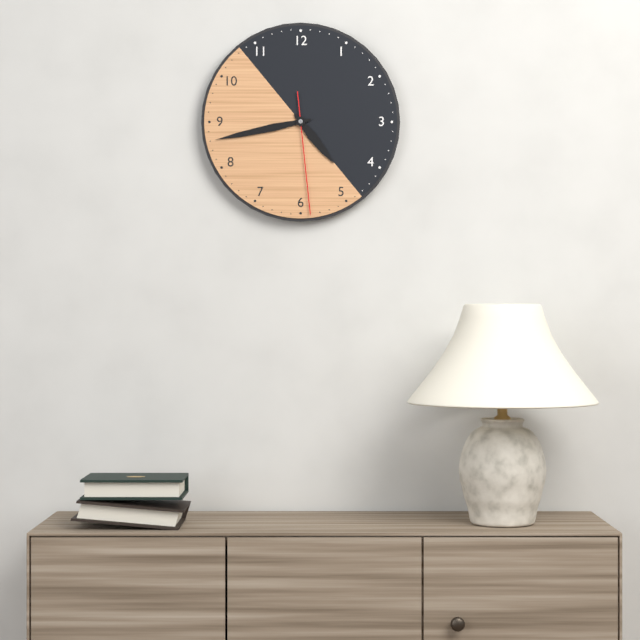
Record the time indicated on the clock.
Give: 4:43:29
